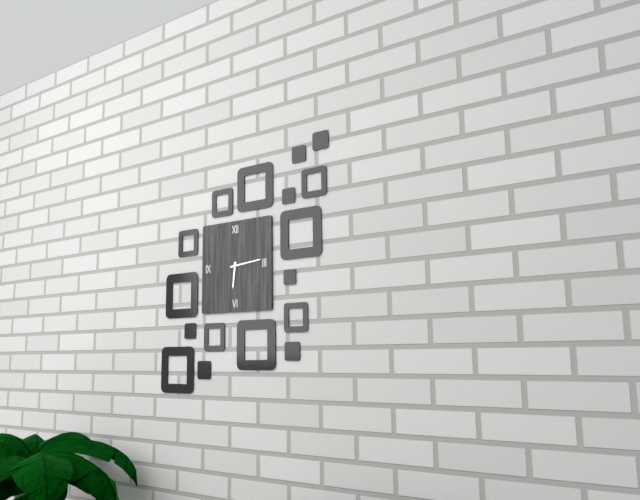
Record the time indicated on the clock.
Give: 6:14
